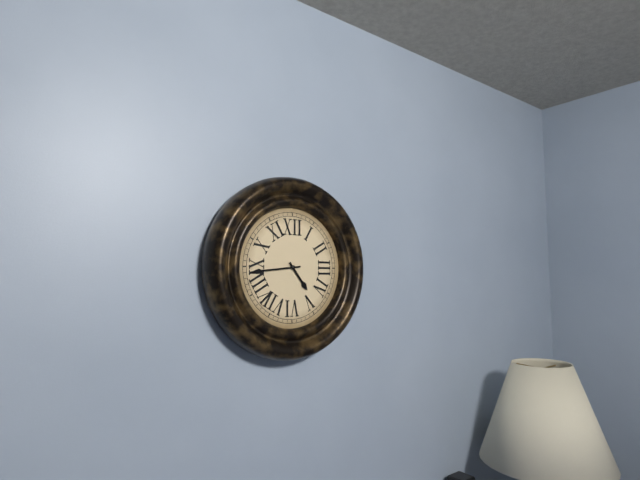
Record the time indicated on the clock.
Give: 4:44
